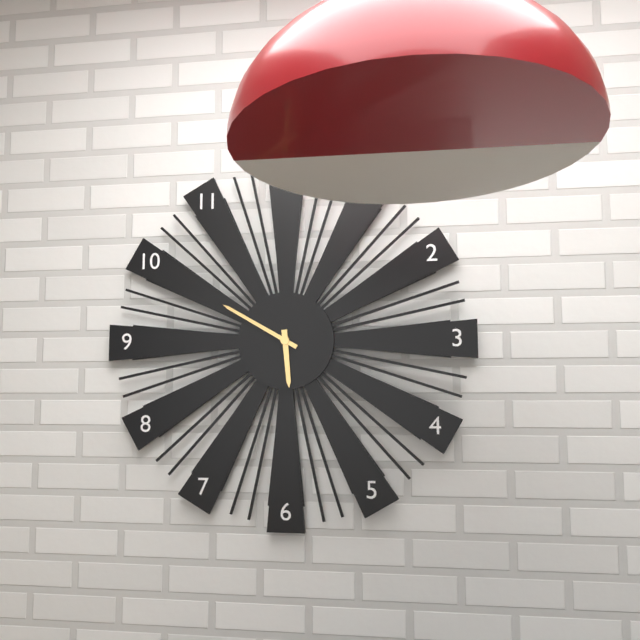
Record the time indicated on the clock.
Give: 5:50
